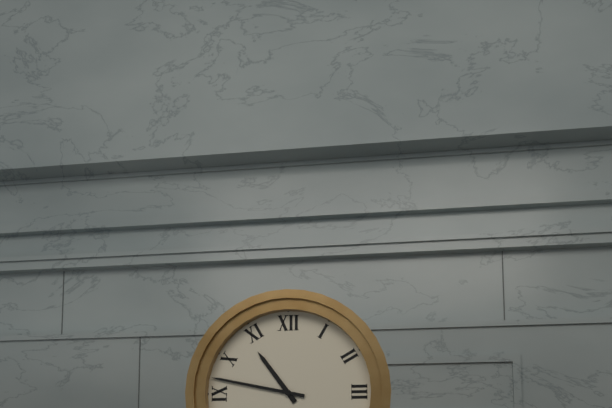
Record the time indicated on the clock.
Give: 10:47
